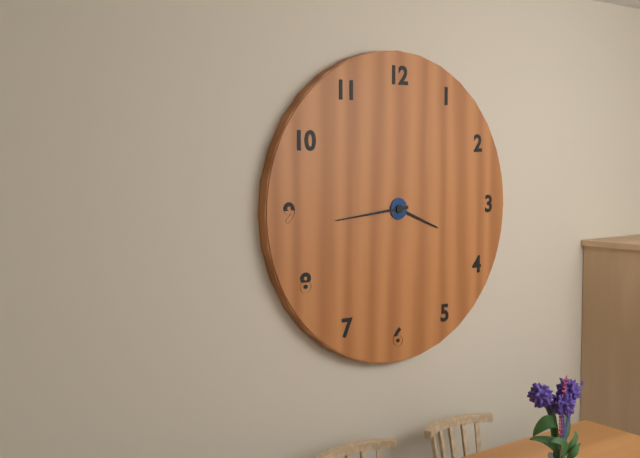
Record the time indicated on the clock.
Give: 3:44
